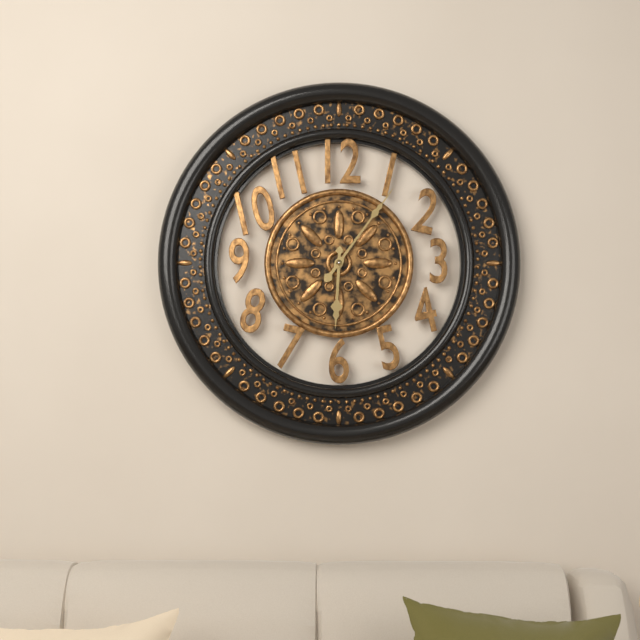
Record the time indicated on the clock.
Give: 6:06
